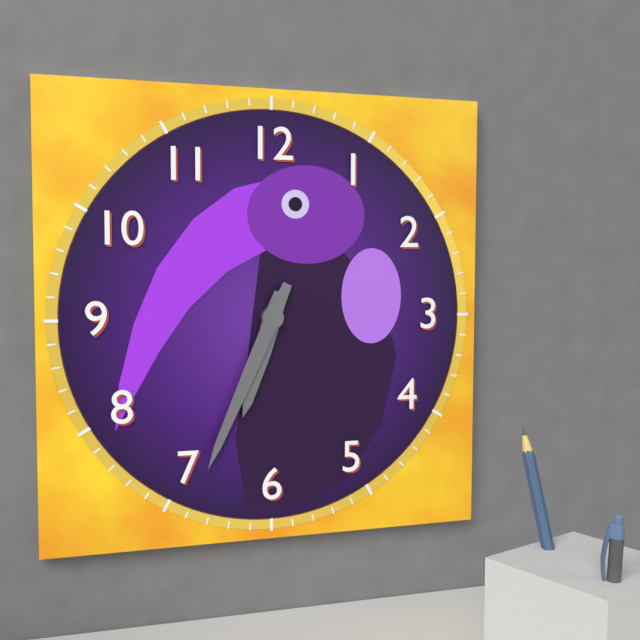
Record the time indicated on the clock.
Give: 6:34
